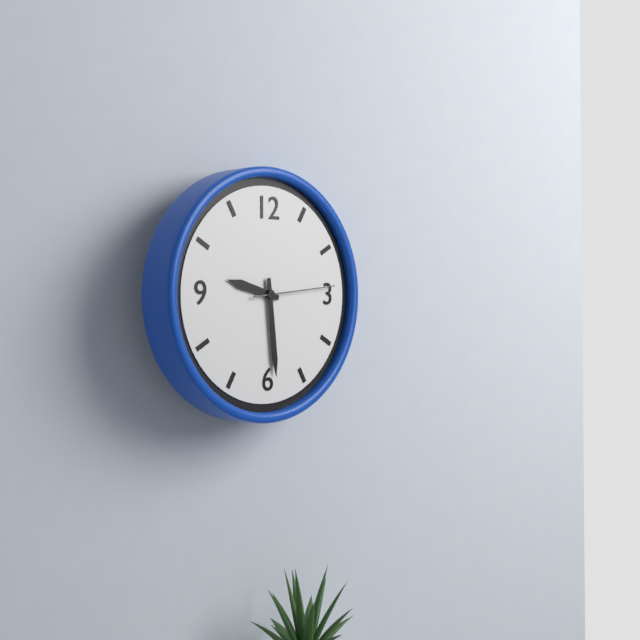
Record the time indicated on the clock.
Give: 9:29:14
